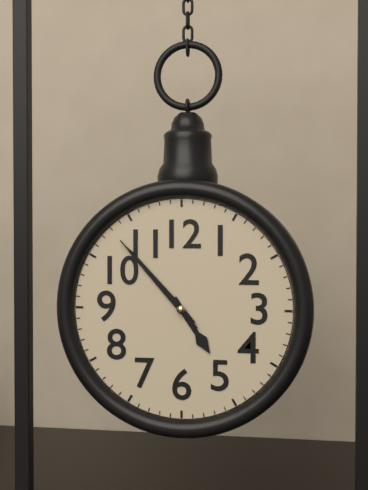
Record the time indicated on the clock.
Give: 4:53:53
